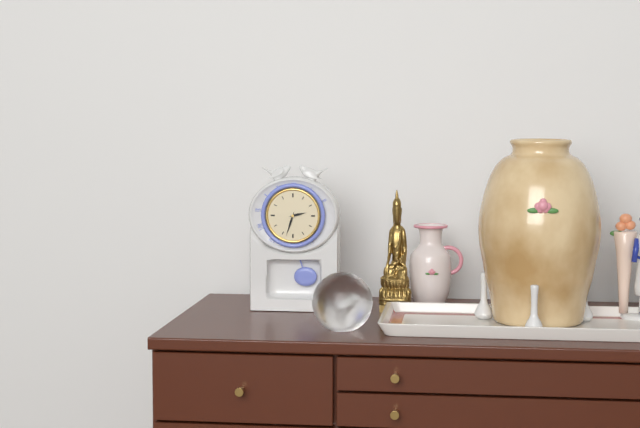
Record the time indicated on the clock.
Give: 2:33
